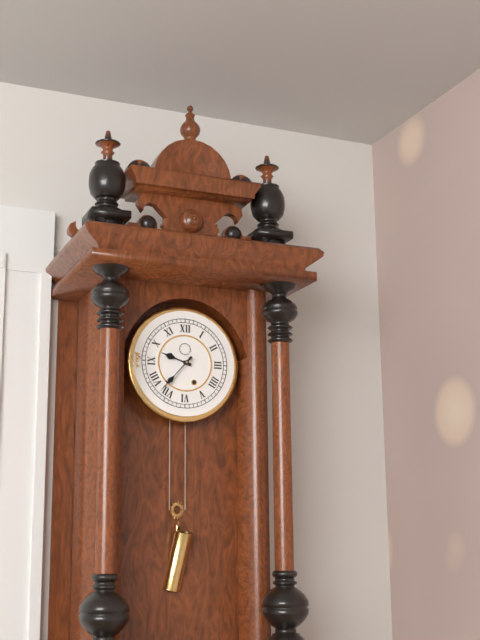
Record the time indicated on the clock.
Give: 9:37
